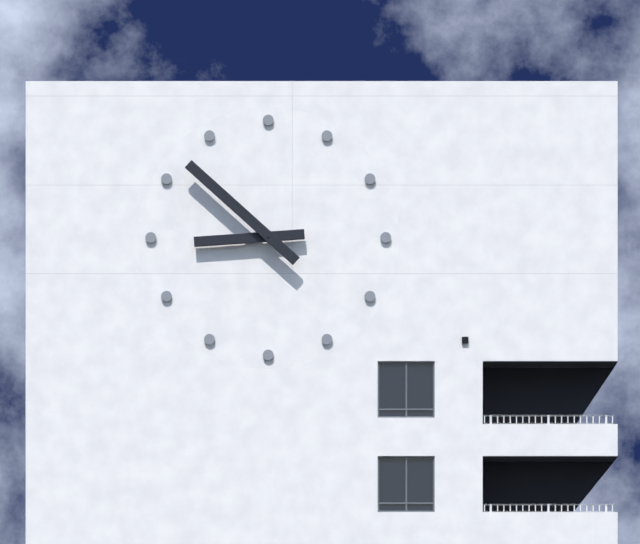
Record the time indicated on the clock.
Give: 8:52
